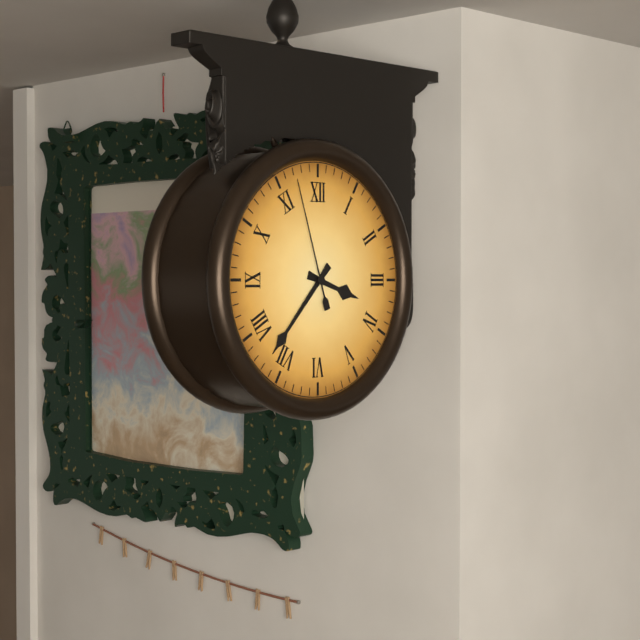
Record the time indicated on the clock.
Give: 3:37:57
